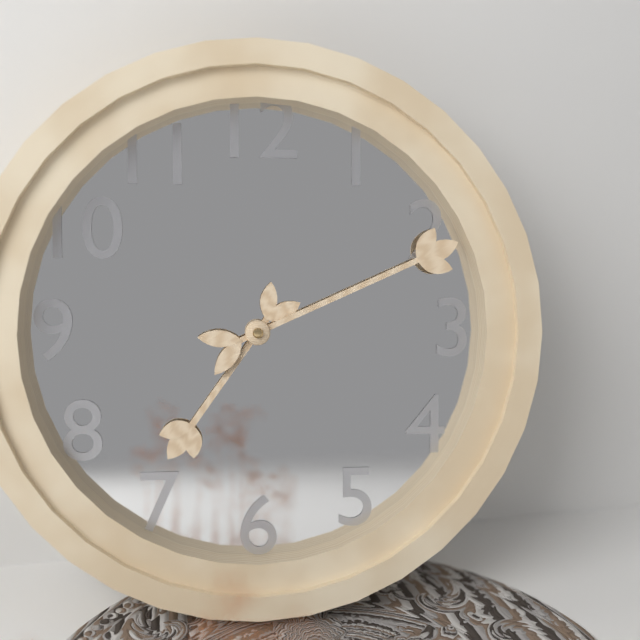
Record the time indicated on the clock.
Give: 7:11
